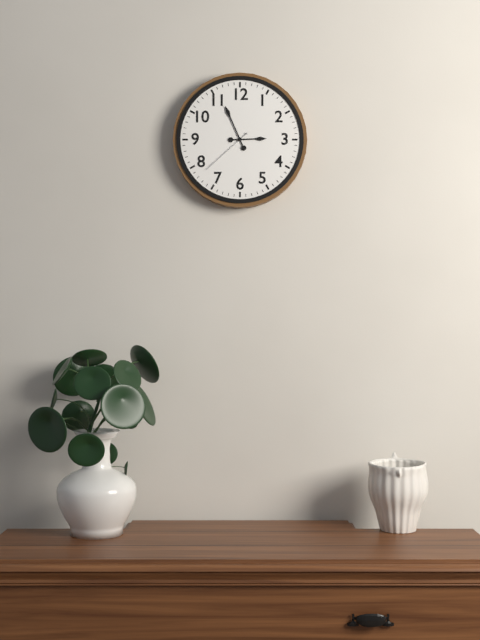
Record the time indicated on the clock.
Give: 2:56:38
